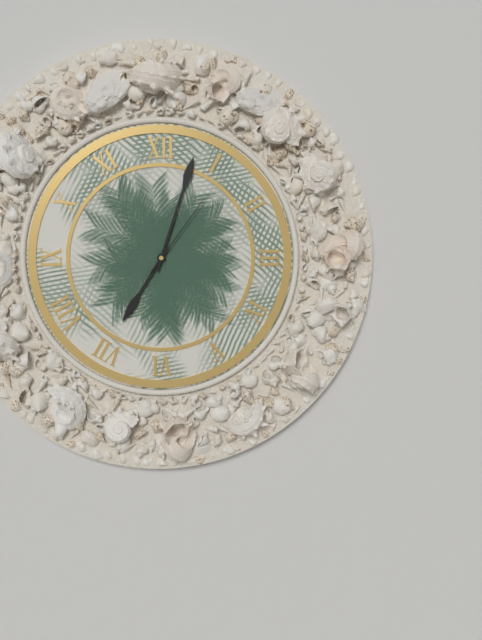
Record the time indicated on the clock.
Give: 7:03:06
